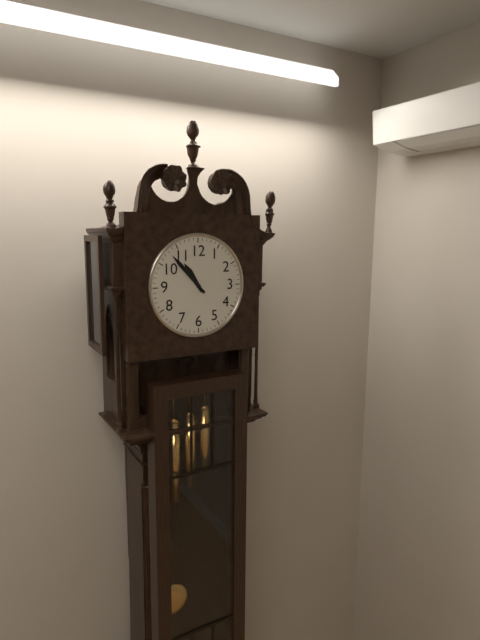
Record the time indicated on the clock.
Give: 10:53
